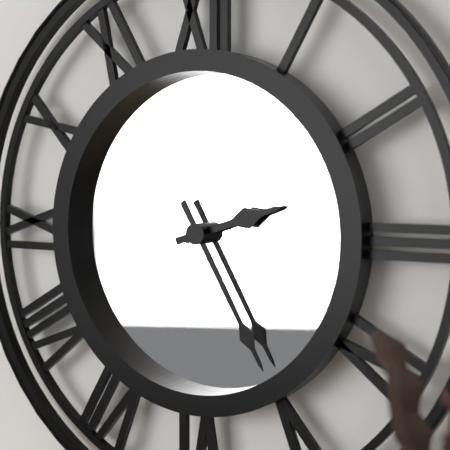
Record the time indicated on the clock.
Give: 2:25
